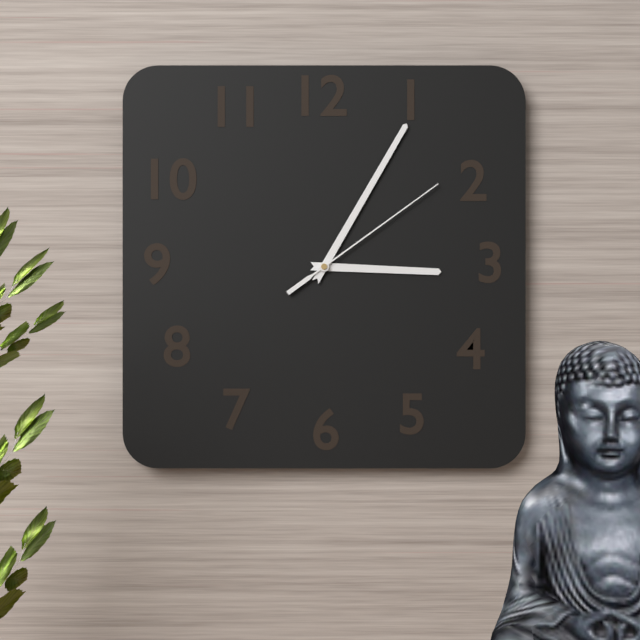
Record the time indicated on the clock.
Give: 3:05:09
